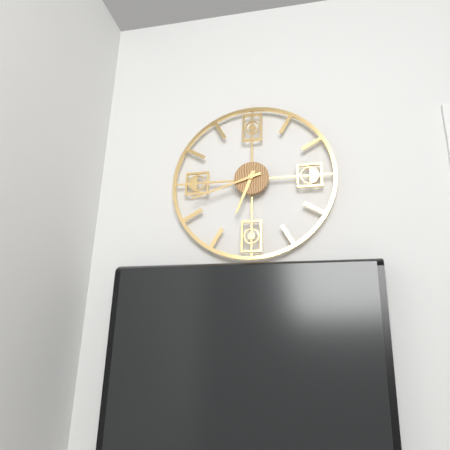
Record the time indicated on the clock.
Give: 6:42
